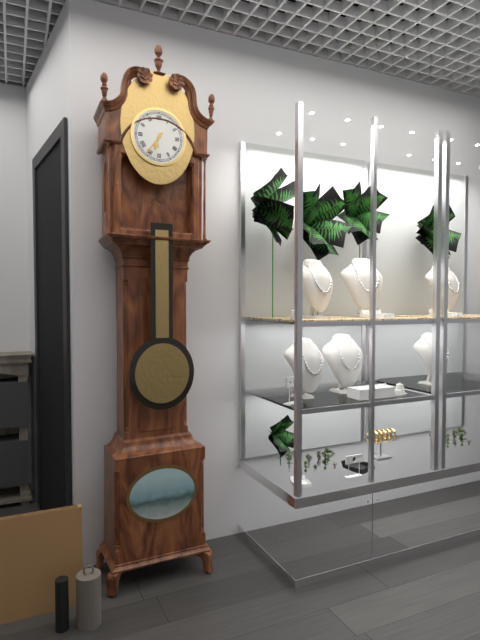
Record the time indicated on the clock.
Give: 6:36
